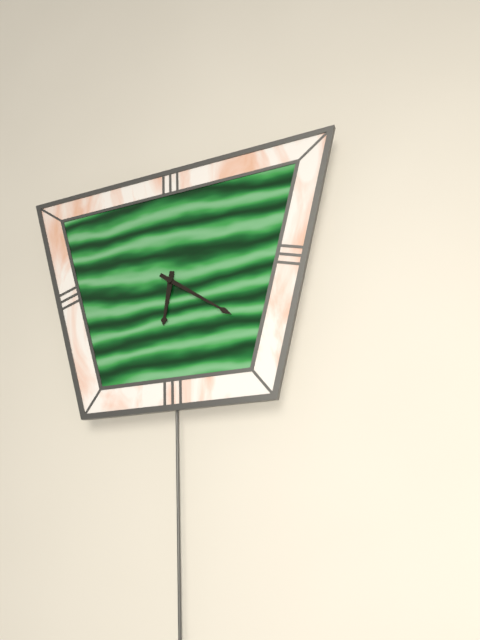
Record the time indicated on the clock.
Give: 6:21
